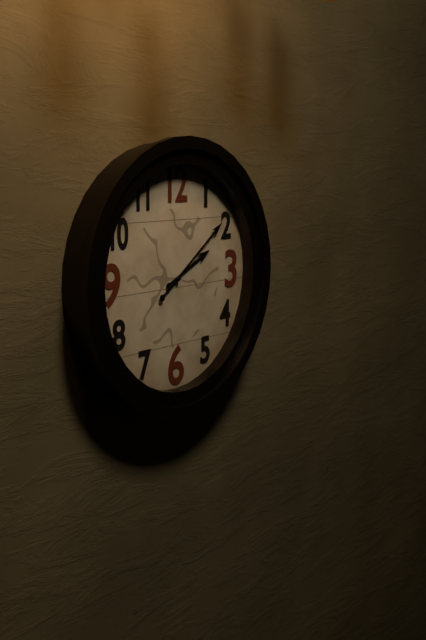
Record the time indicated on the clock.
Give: 2:09
